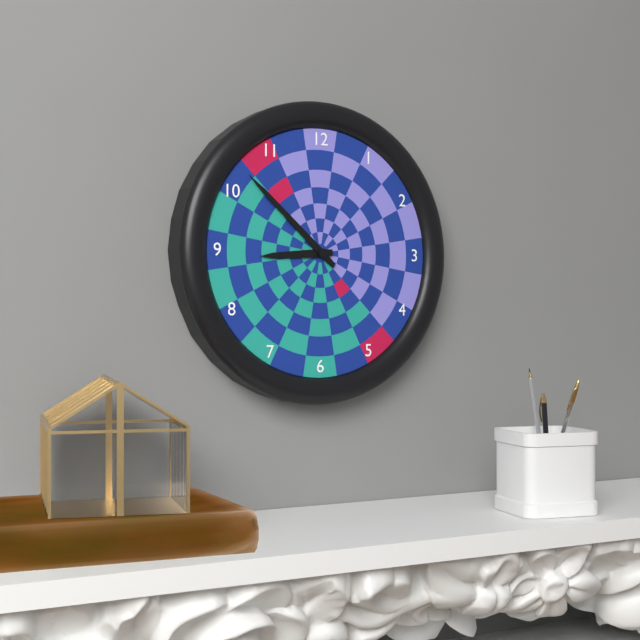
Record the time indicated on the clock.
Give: 8:52
